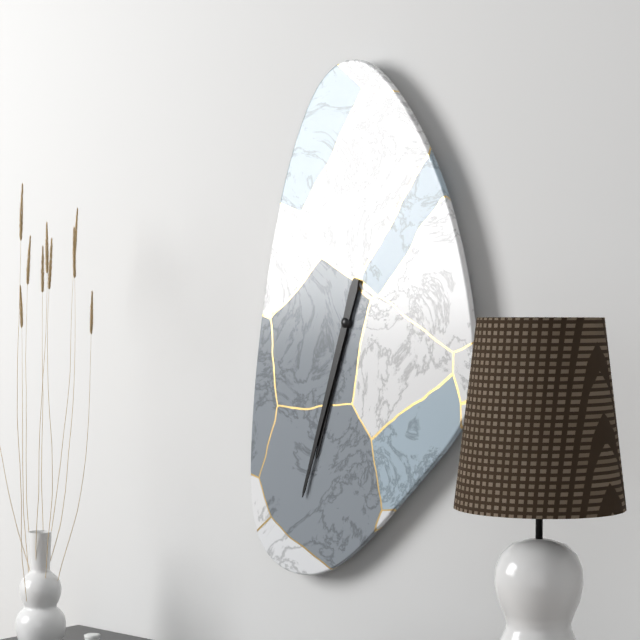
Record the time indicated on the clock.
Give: 6:33
